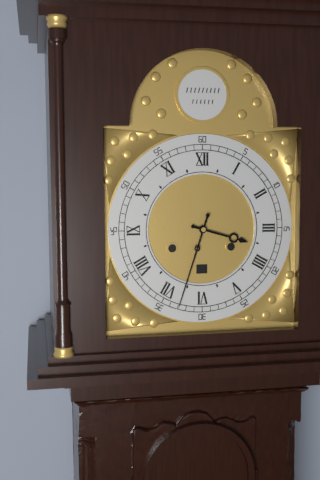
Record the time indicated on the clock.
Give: 3:33
